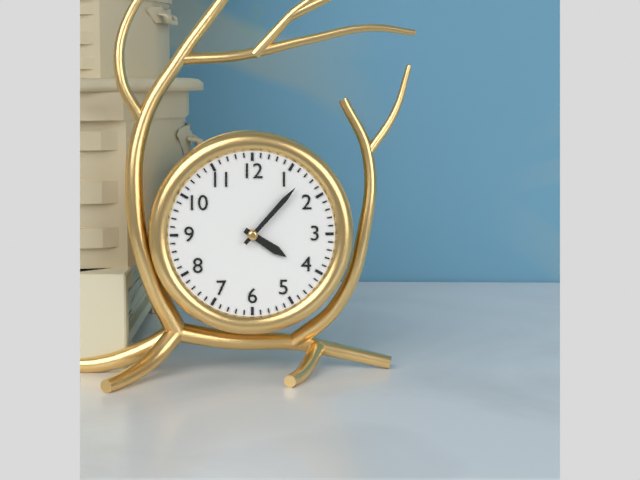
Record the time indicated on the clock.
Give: 4:07
